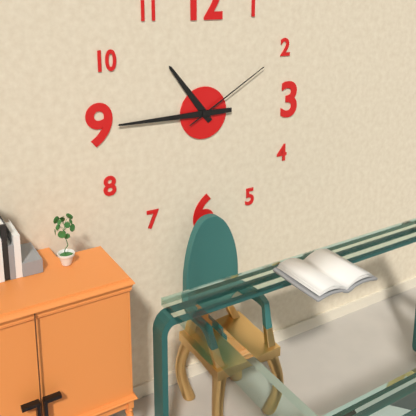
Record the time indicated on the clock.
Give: 10:45:10
